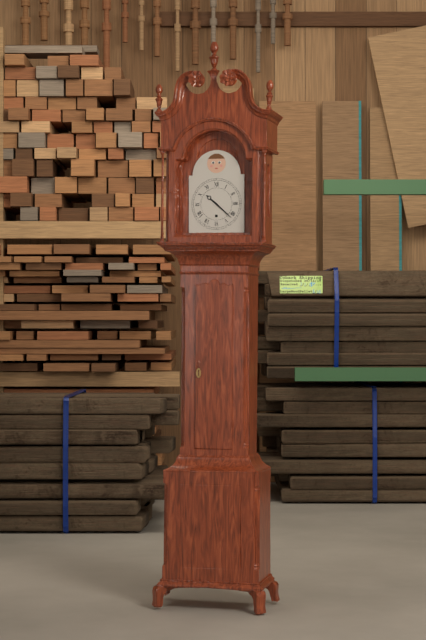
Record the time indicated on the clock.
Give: 10:22
